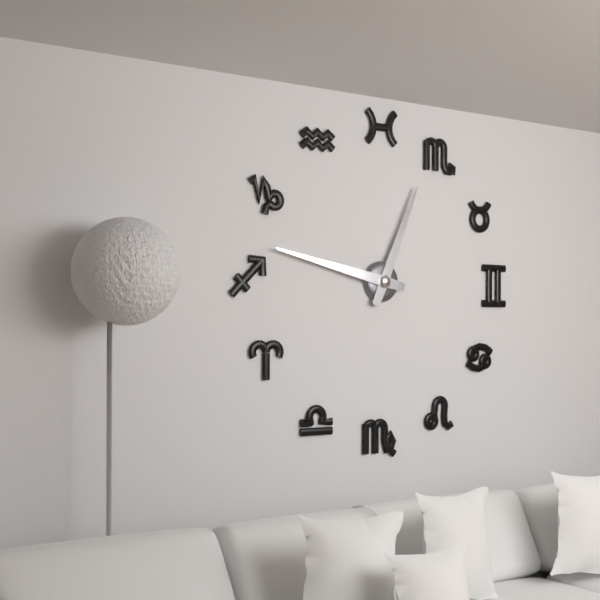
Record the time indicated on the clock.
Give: 12:47
